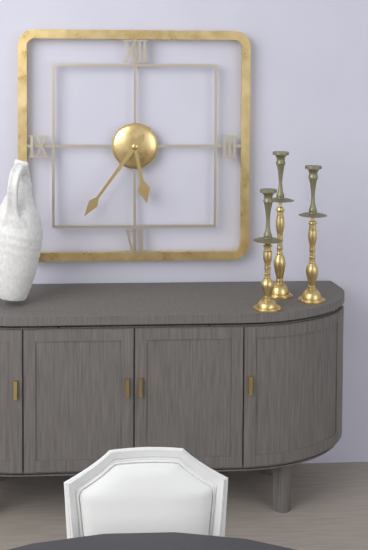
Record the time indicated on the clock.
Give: 5:36
